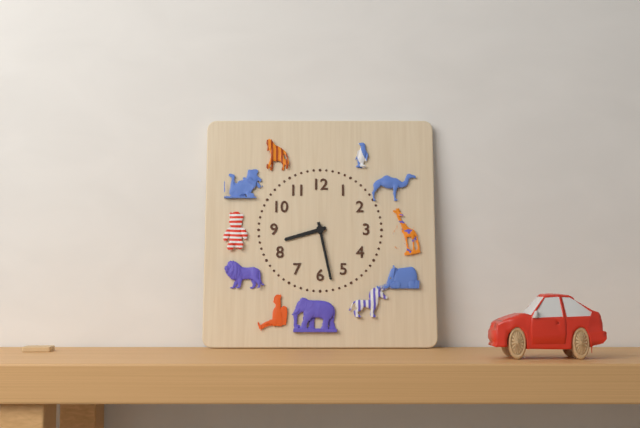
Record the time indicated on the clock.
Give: 8:28
